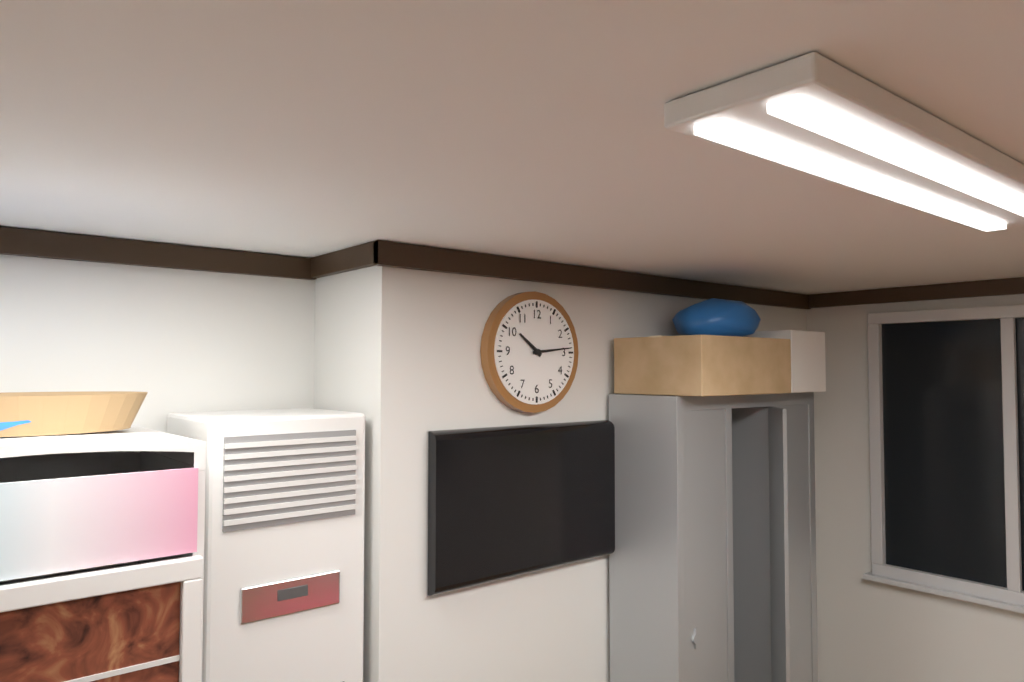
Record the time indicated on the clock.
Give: 10:14
